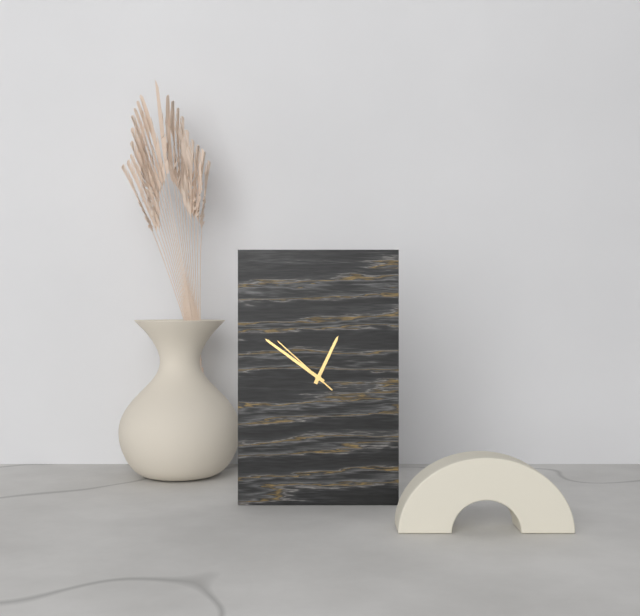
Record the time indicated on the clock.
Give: 12:51:52
